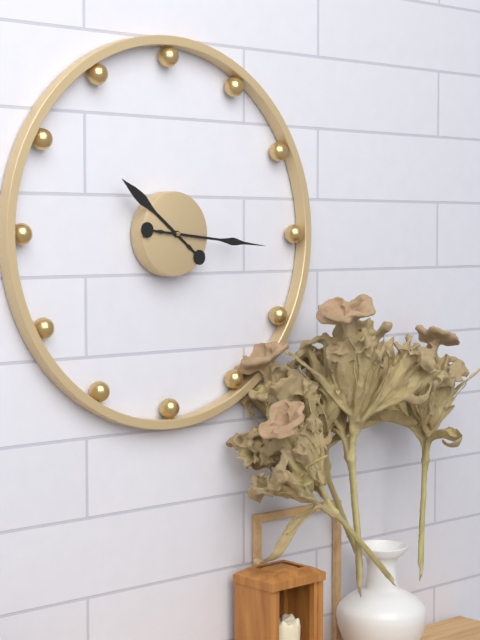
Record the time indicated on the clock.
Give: 10:16
